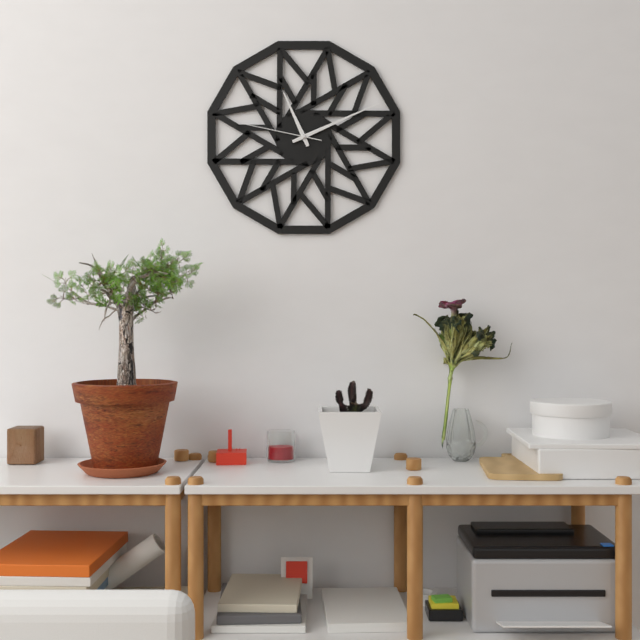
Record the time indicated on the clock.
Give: 11:11:47
